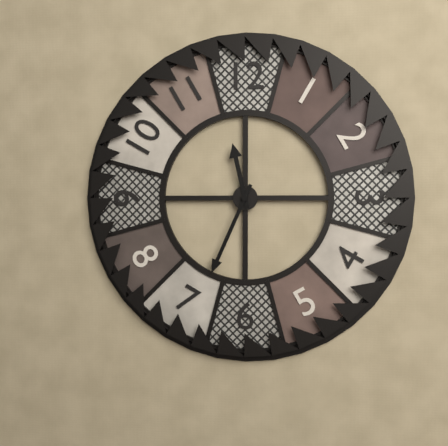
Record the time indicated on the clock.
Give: 11:34
